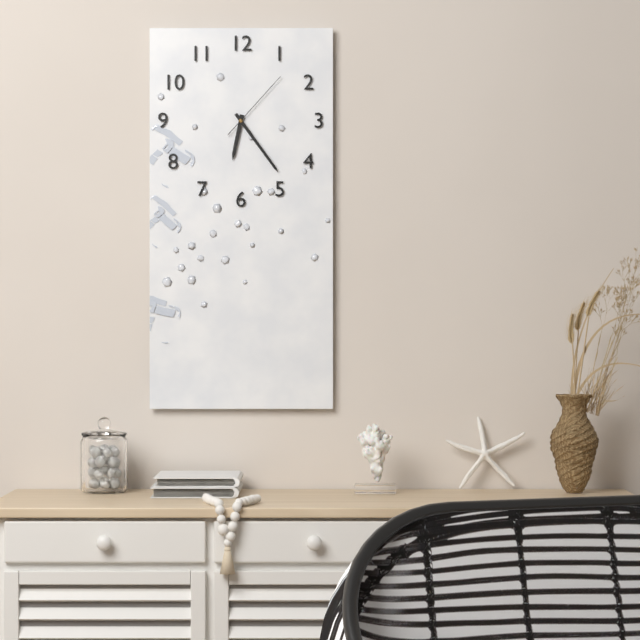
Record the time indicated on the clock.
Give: 6:24:07
